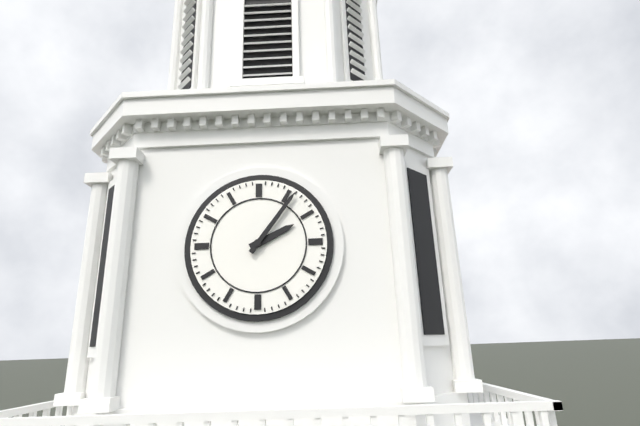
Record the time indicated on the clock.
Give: 2:06
